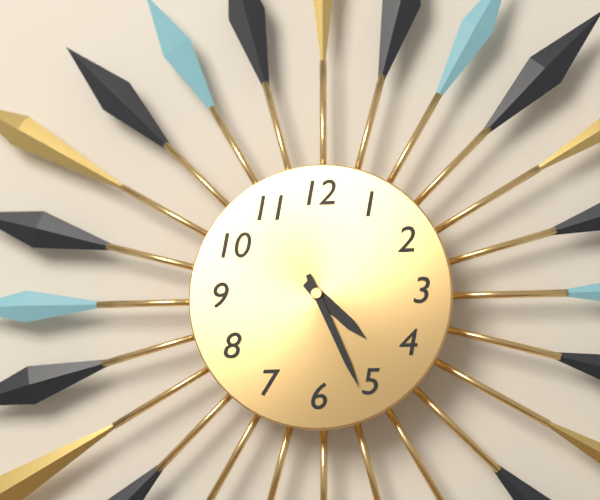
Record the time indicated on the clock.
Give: 4:26
